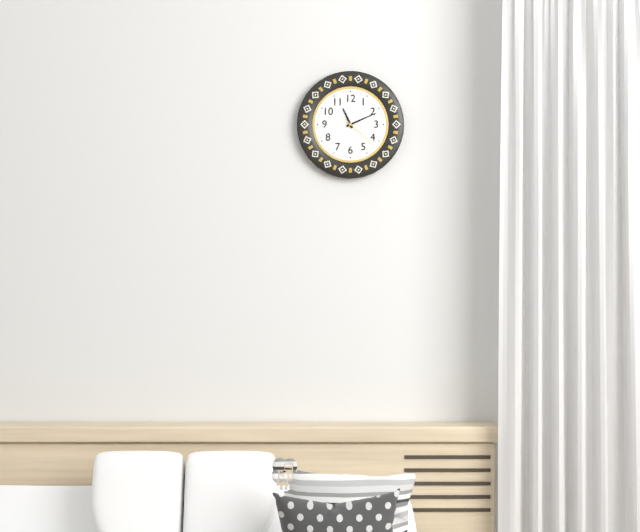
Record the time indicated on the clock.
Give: 11:11
